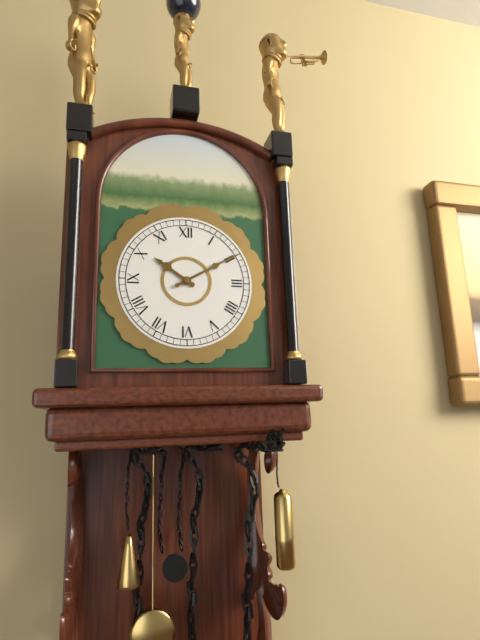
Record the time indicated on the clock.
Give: 10:10
